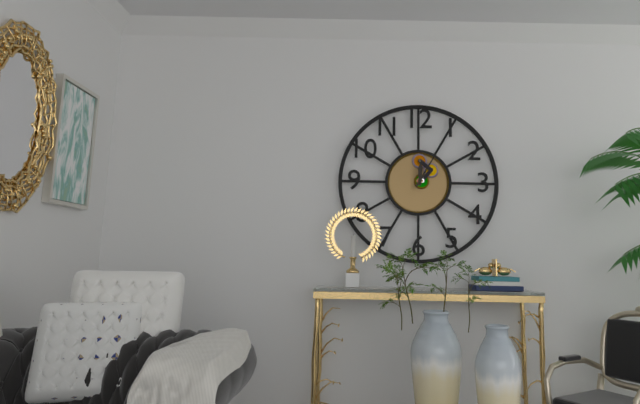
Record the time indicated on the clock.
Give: 12:05
